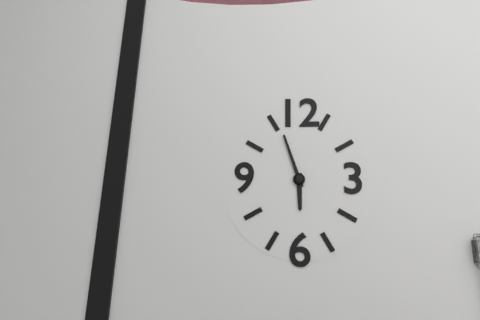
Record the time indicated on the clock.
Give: 5:57
